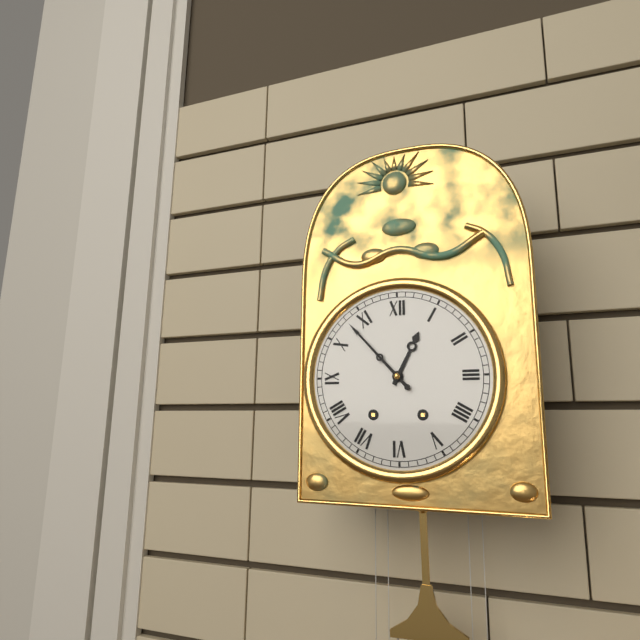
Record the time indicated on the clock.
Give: 12:53
